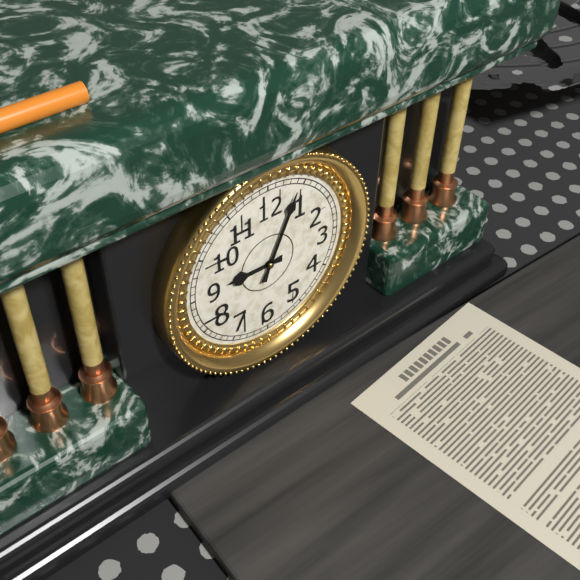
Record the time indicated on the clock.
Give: 9:04
